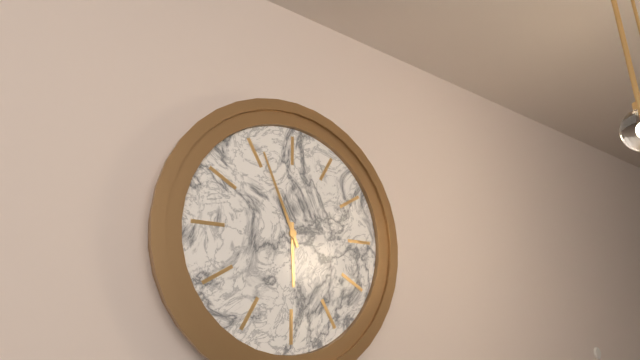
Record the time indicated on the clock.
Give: 5:56
